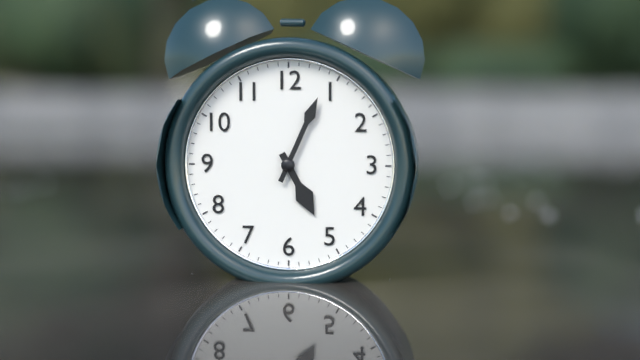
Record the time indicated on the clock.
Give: 5:04
